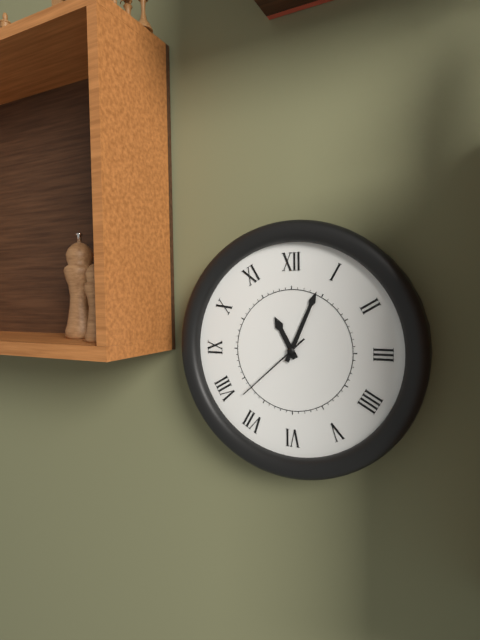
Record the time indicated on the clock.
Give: 11:04:38
